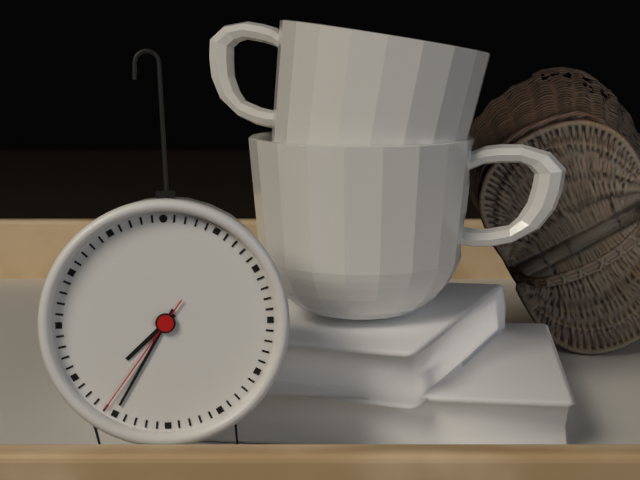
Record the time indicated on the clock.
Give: 7:35:36
